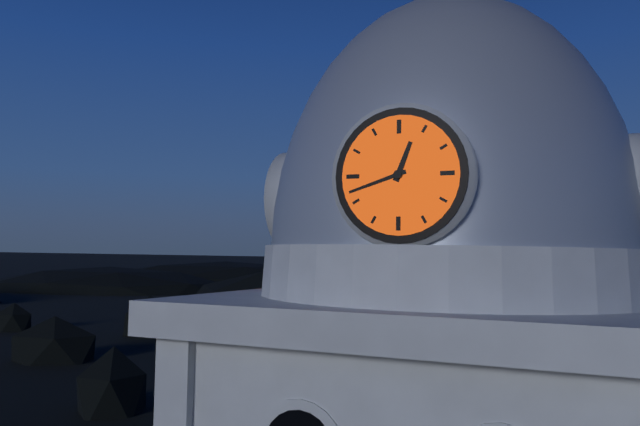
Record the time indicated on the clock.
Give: 12:42
